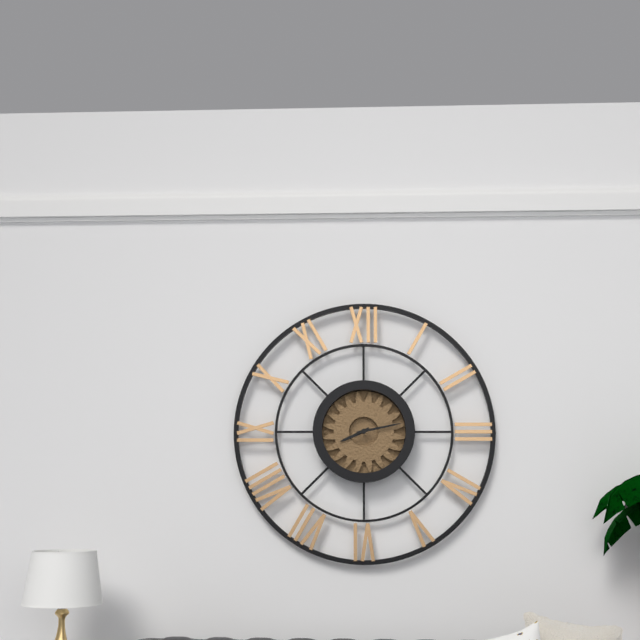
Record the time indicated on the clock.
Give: 8:13
